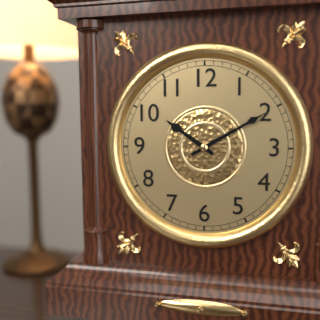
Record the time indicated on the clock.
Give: 10:10
